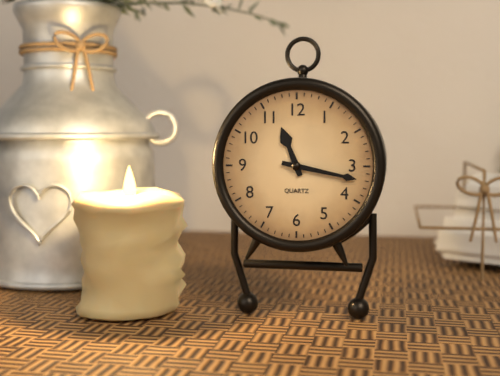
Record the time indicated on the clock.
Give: 11:17
